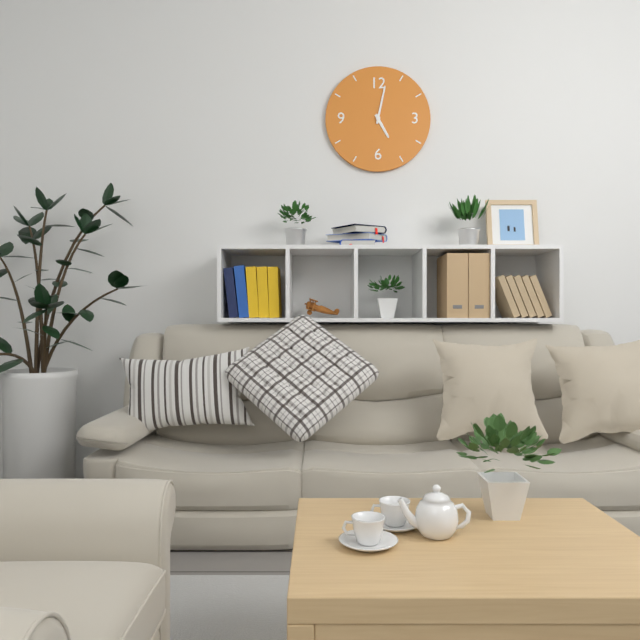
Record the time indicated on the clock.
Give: 5:02
